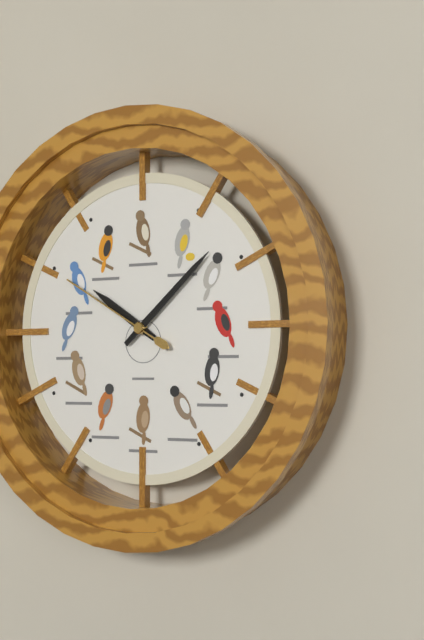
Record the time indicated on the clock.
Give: 10:08:50
